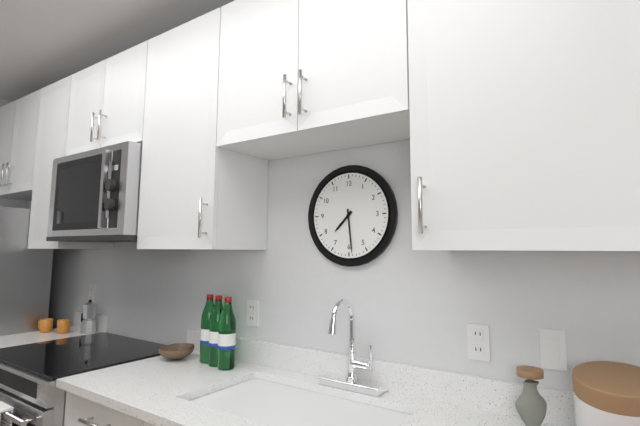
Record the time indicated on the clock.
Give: 7:29
